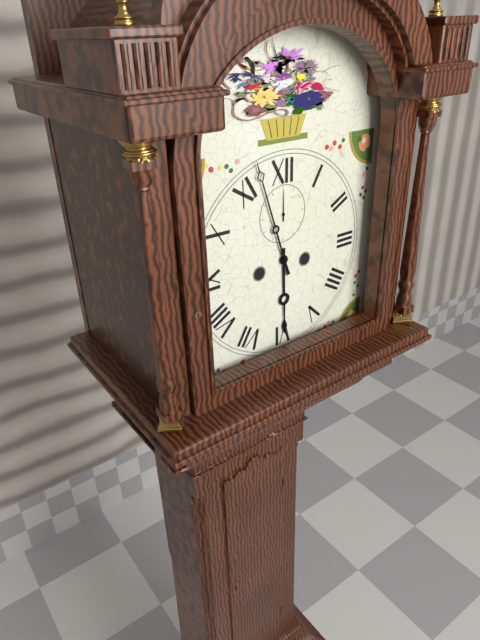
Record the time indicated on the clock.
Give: 5:57
